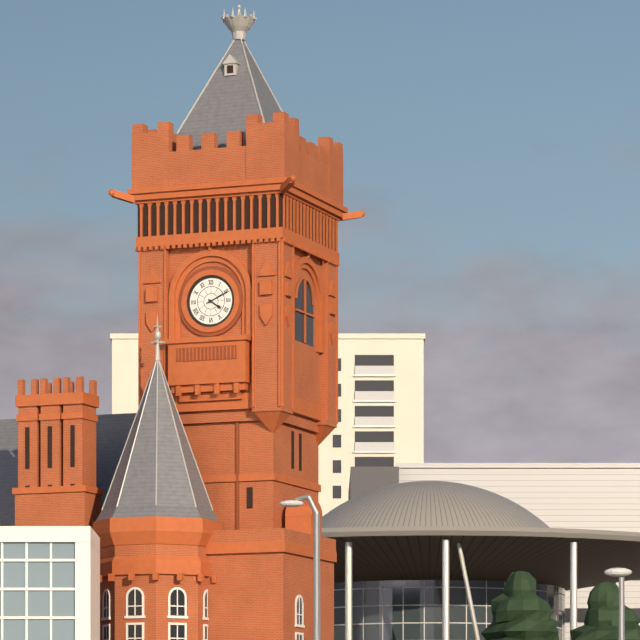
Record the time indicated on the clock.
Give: 4:11
